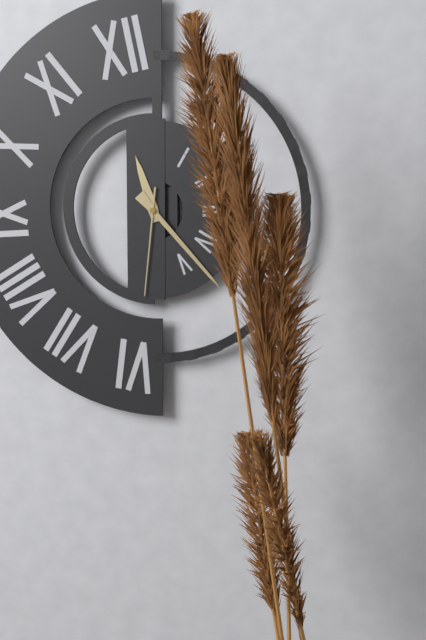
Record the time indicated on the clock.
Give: 11:23:31
